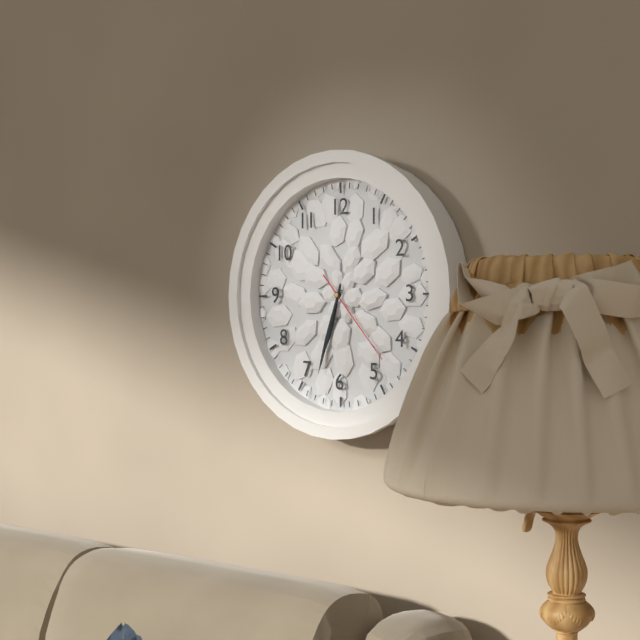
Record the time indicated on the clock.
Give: 6:33:23
